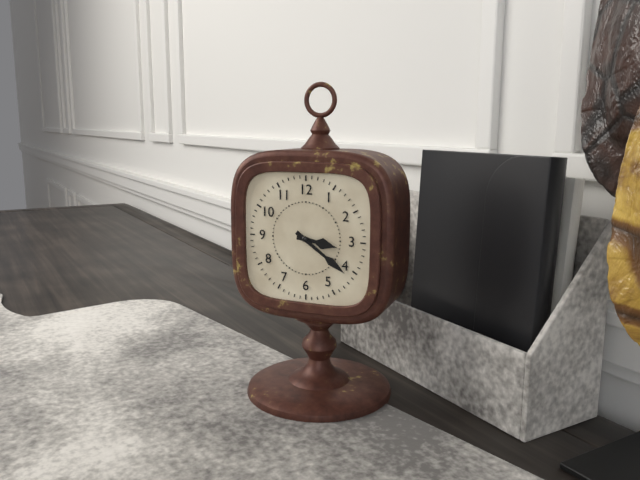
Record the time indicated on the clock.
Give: 3:21
